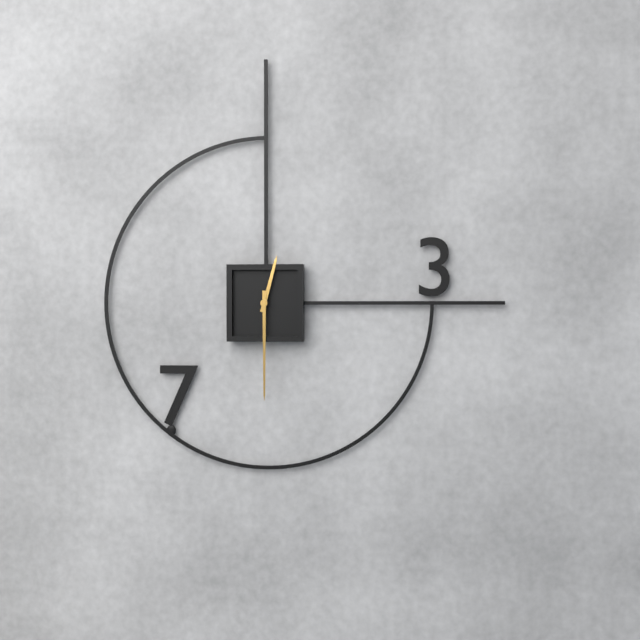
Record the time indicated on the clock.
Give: 12:30
